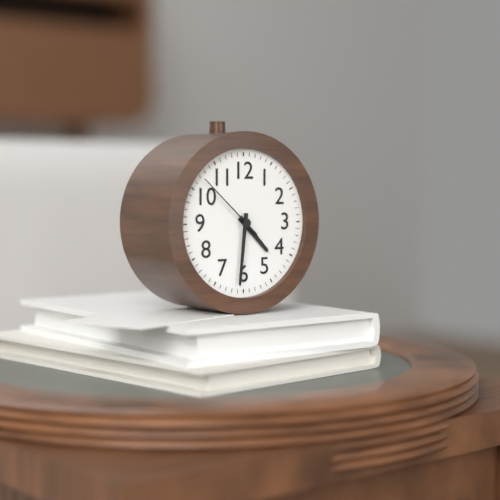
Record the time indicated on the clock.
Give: 4:31:52
